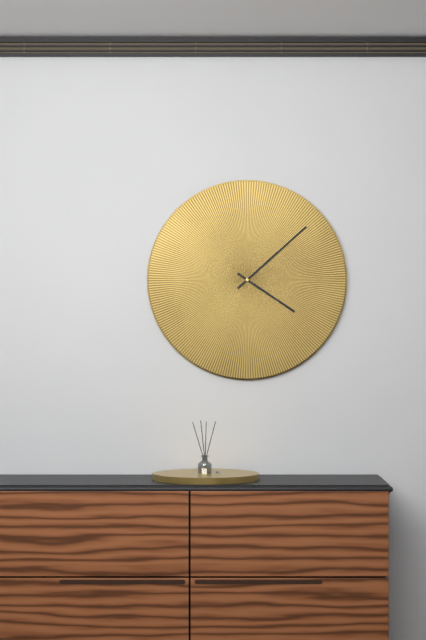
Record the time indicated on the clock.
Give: 4:08
